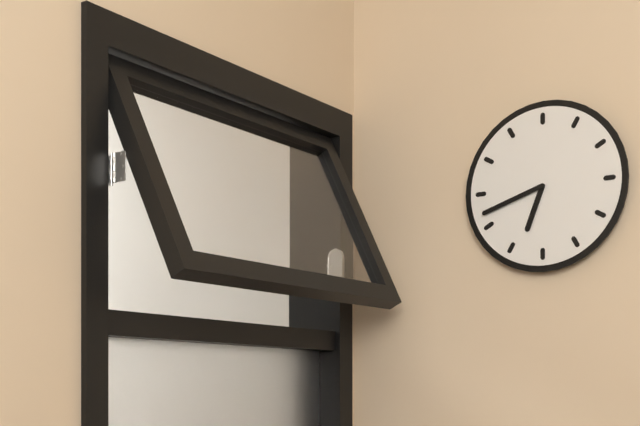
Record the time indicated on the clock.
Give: 6:42
